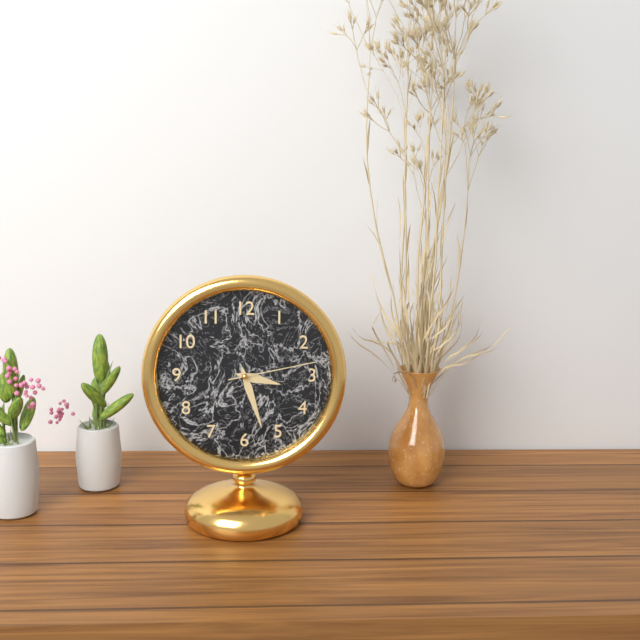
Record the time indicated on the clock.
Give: 3:27:13
